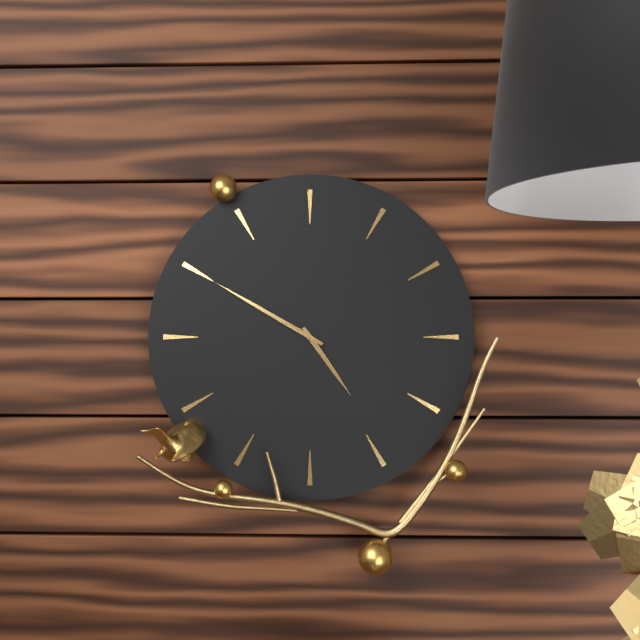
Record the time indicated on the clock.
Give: 4:50
